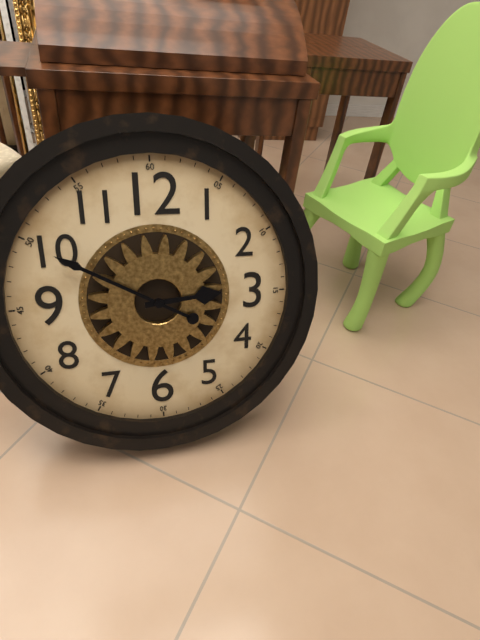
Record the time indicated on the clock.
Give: 2:50
